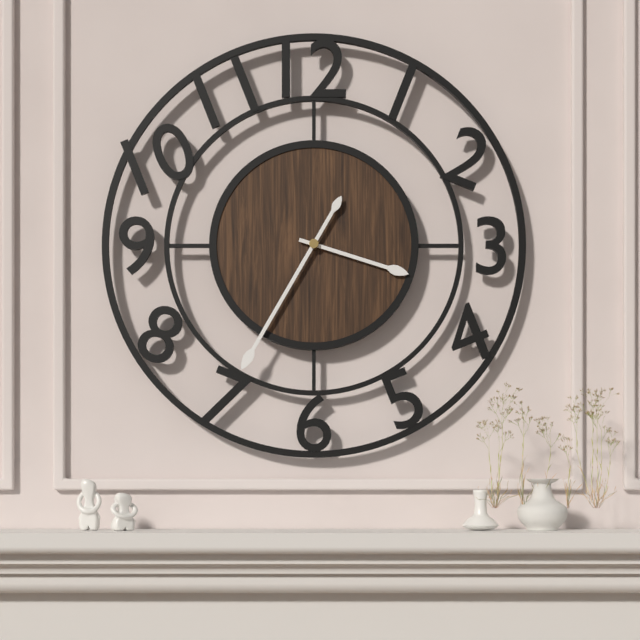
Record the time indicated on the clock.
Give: 3:35
